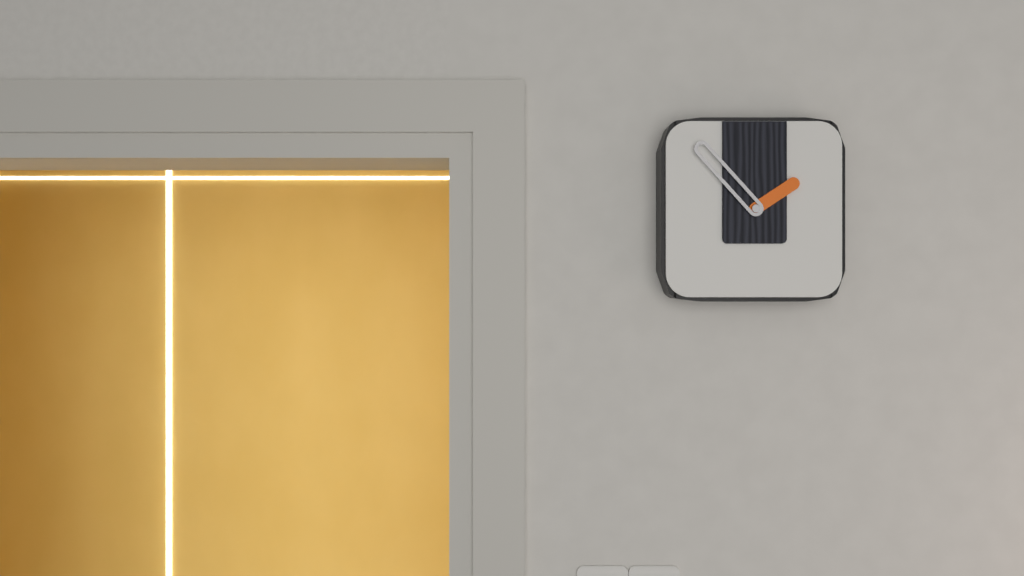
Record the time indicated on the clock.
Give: 1:53
